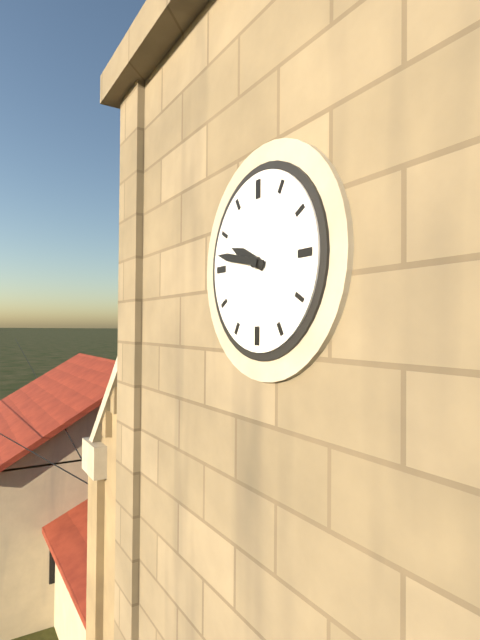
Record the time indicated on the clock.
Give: 9:47
